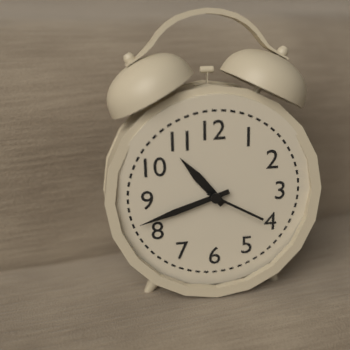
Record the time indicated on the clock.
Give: 10:42:20
